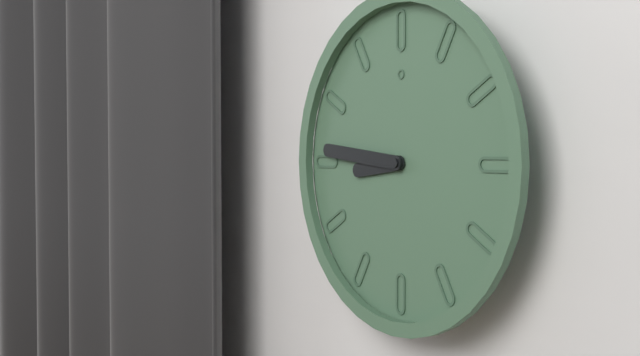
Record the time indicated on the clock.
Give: 8:46
